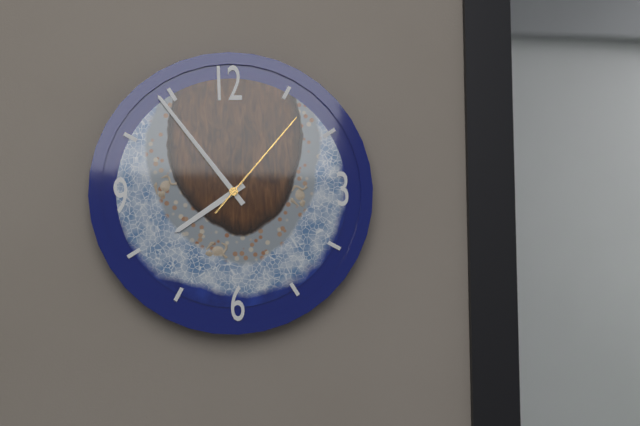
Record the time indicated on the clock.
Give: 7:54:07
